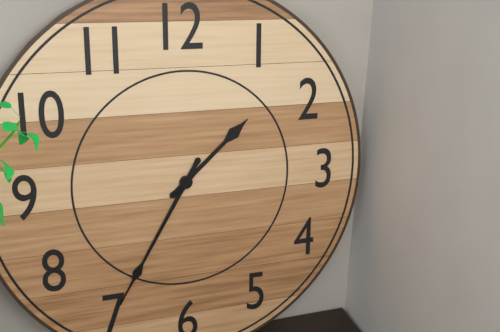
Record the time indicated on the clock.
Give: 1:35
